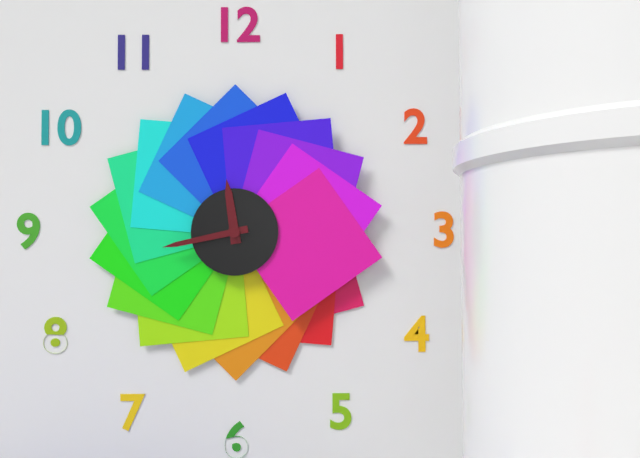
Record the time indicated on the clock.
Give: 11:43
